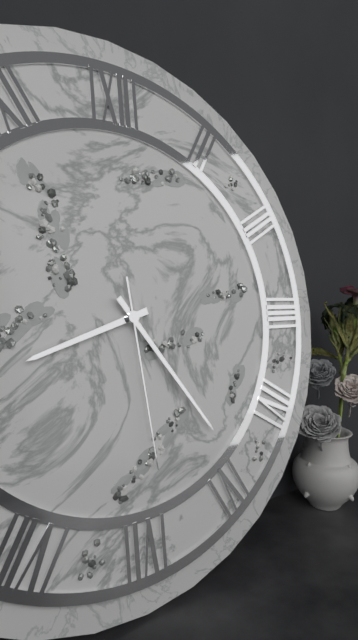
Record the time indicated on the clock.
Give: 8:24:29
